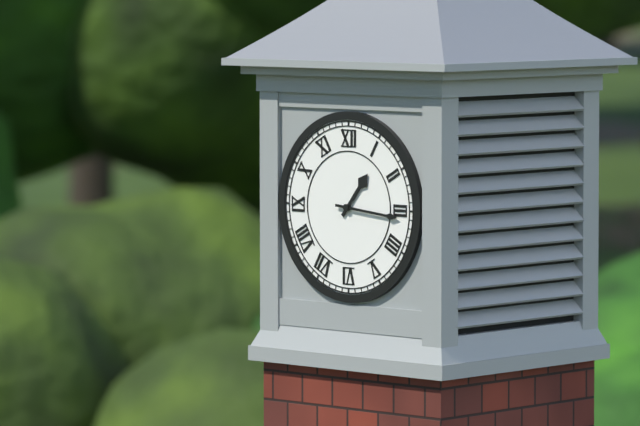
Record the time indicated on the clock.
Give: 1:16
